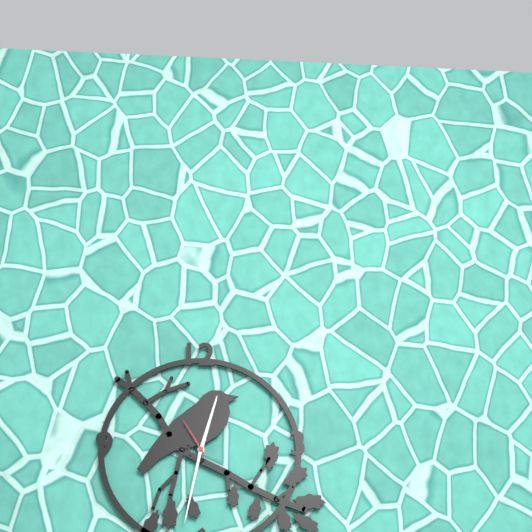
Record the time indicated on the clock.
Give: 12:32
